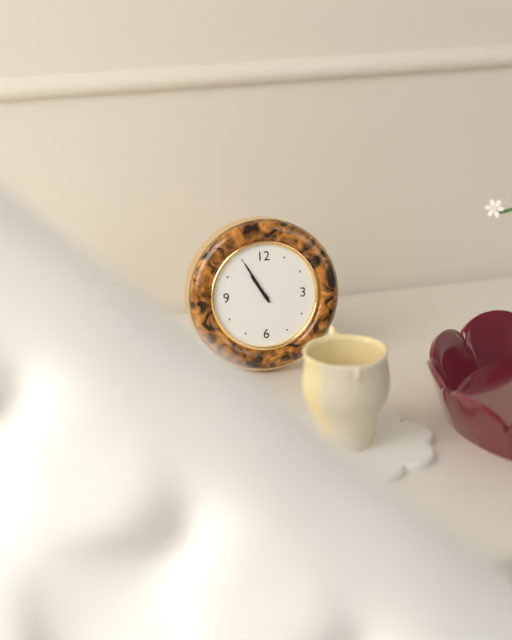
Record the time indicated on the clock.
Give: 10:55
